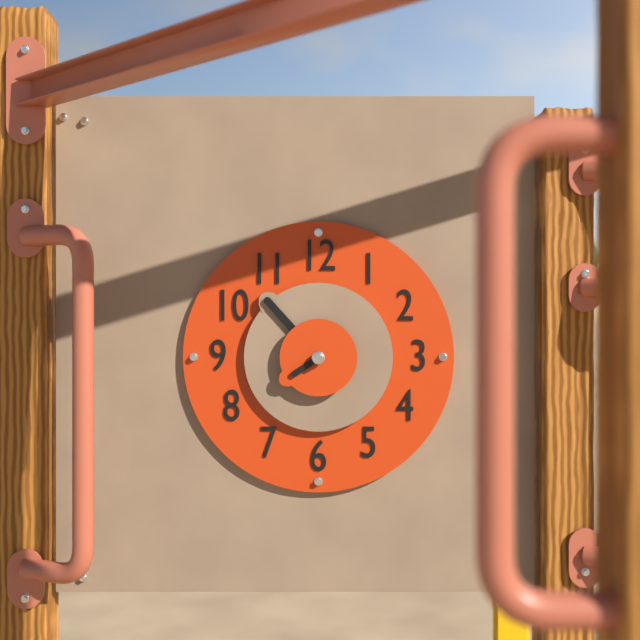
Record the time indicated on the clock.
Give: 7:53
